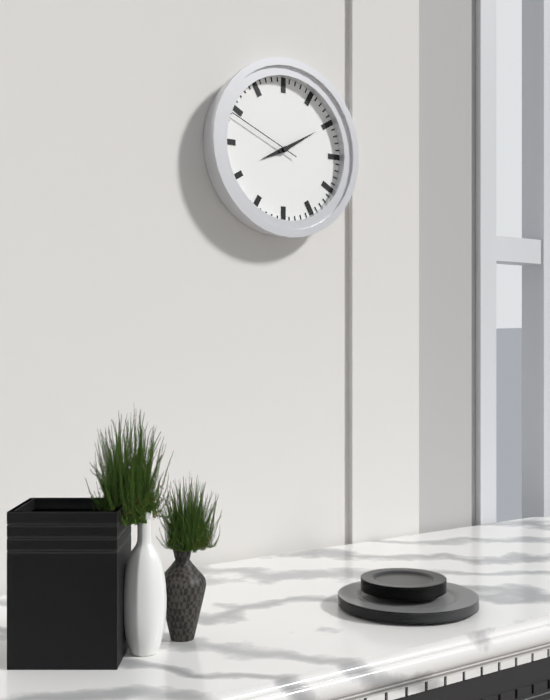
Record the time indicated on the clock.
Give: 8:10:49
